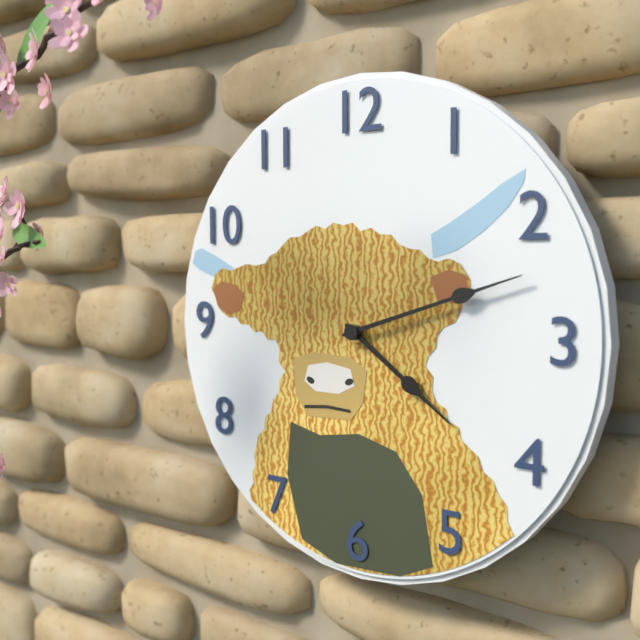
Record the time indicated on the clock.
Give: 4:12
